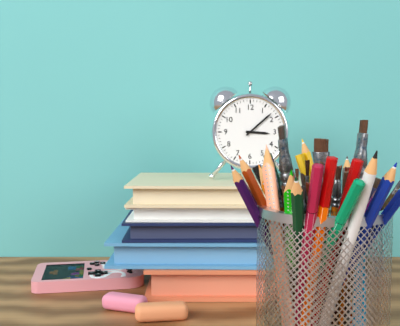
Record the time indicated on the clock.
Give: 3:08
